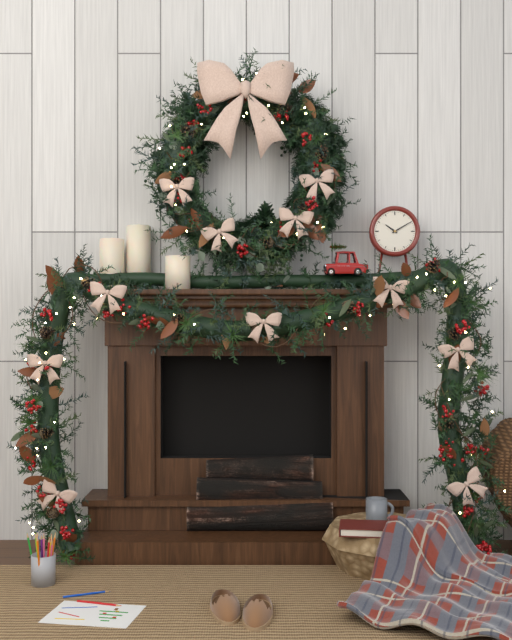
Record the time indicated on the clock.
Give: 10:10
